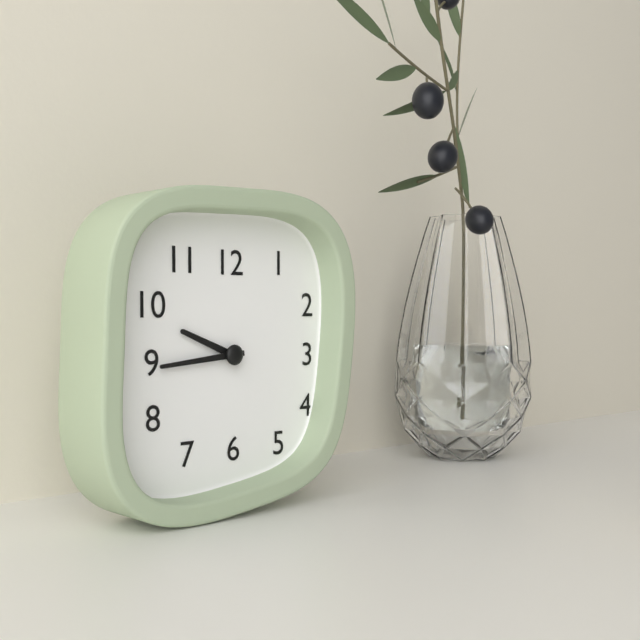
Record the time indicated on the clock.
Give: 9:44
